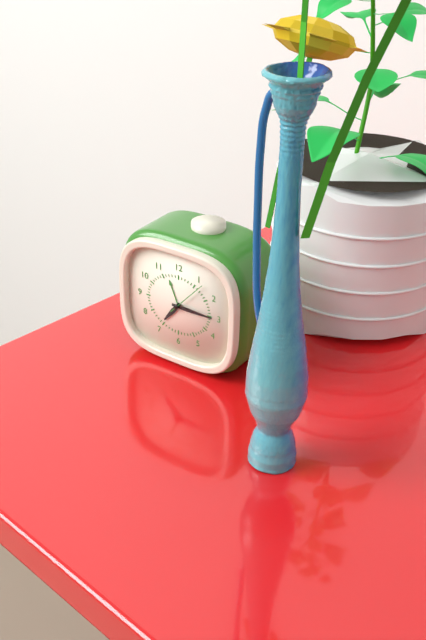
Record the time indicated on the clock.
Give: 7:15
